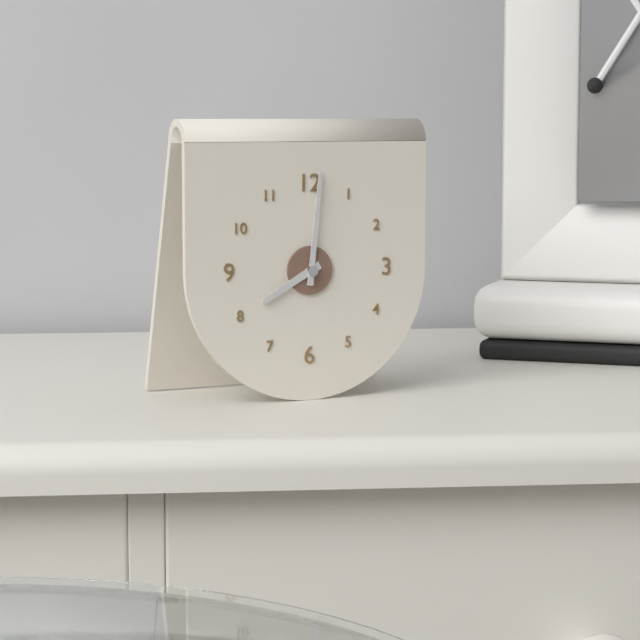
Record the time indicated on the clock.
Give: 8:01
